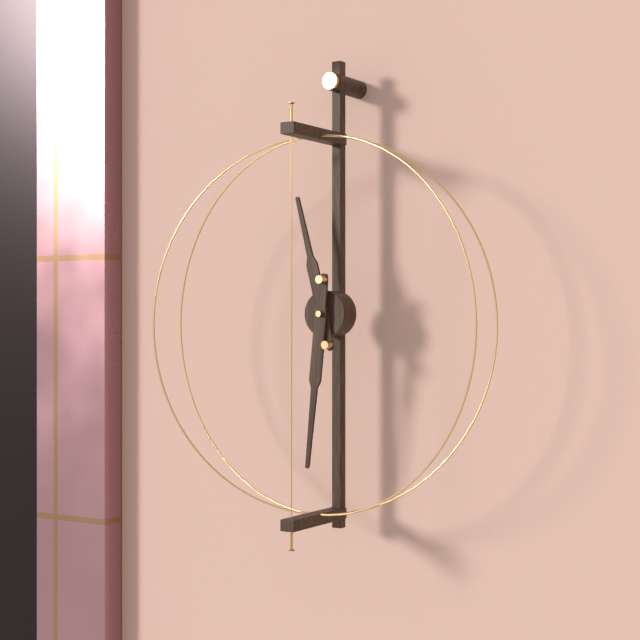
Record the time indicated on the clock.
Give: 11:31
